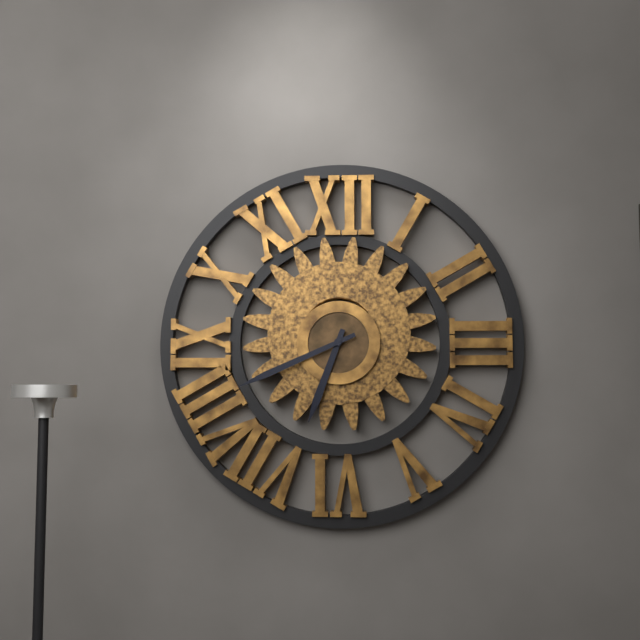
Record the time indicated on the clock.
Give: 6:41
